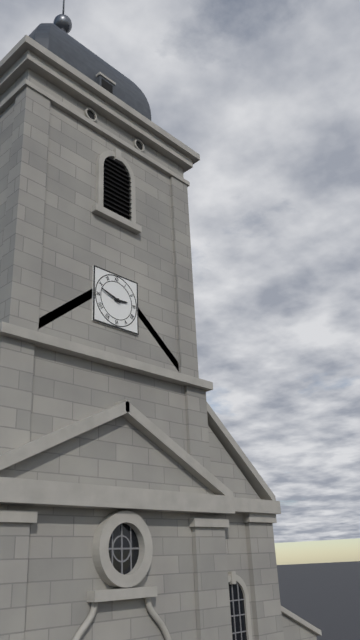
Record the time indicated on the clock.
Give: 2:48
